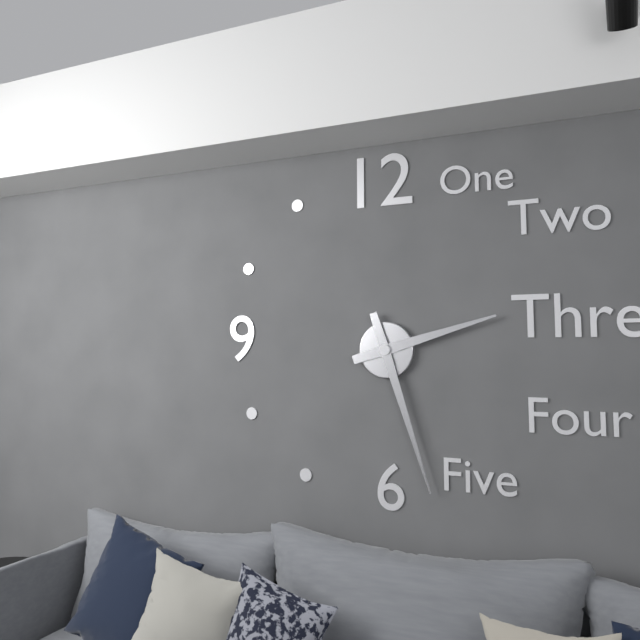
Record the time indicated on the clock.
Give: 2:27
